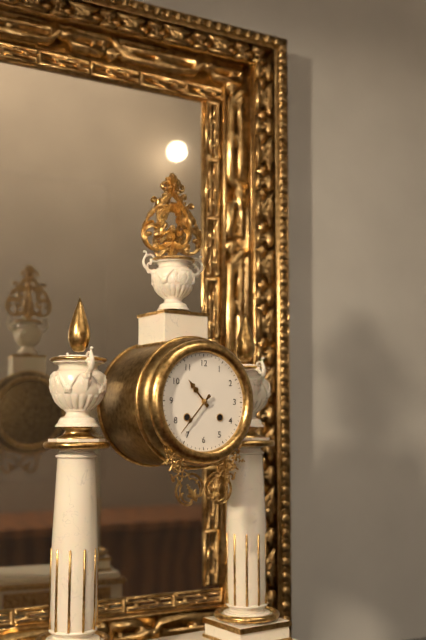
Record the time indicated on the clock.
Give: 10:37
